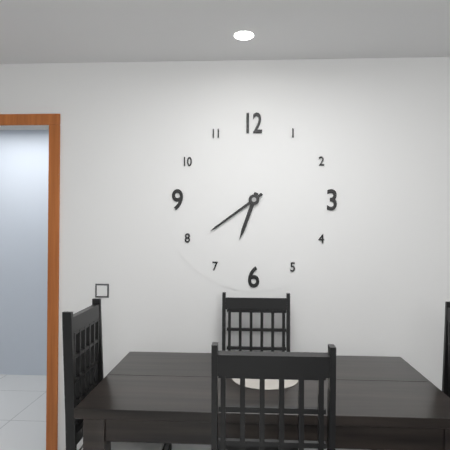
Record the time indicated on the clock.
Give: 6:39
